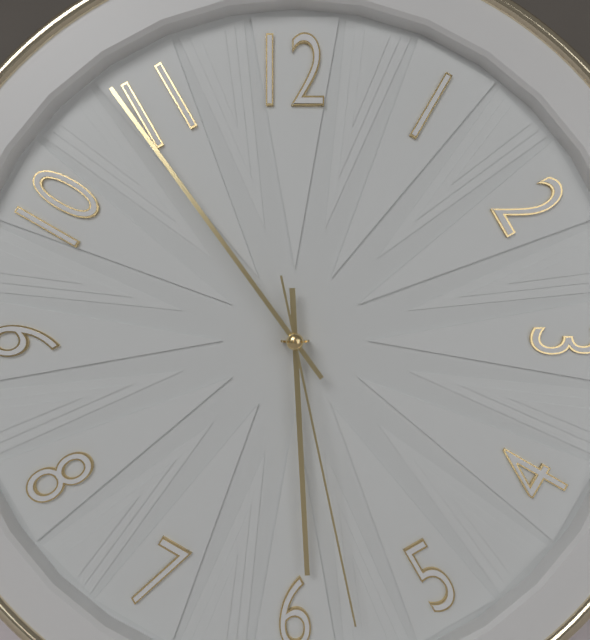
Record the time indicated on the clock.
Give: 5:54:28
